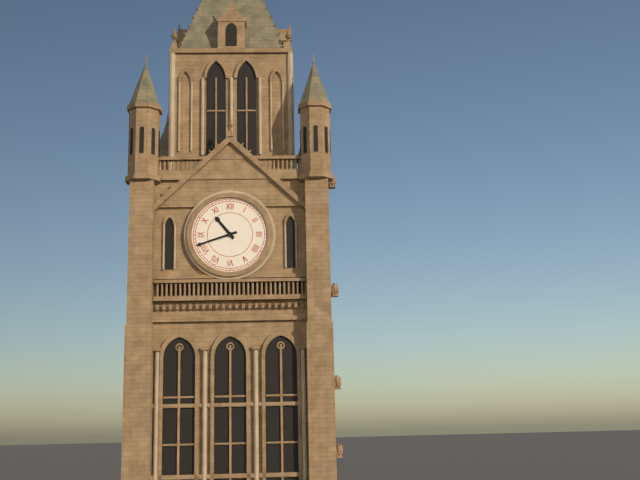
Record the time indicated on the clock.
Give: 10:42
